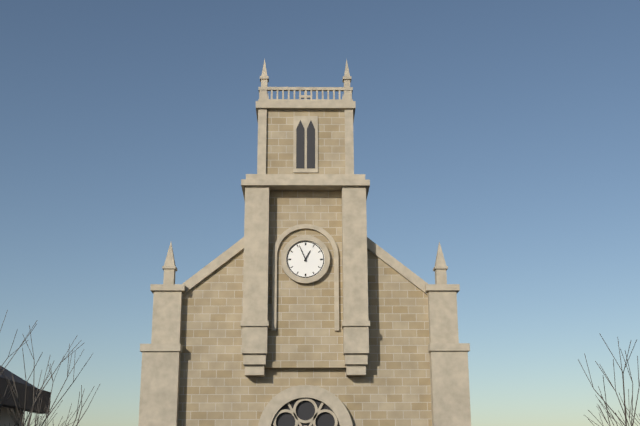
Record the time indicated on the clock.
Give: 12:56
